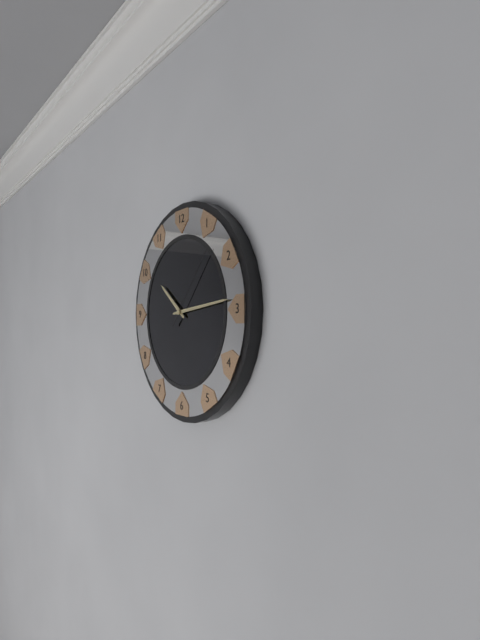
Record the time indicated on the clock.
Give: 10:14:07
